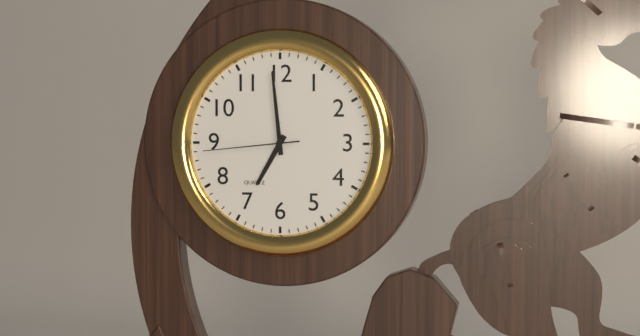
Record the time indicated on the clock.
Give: 6:59:44
